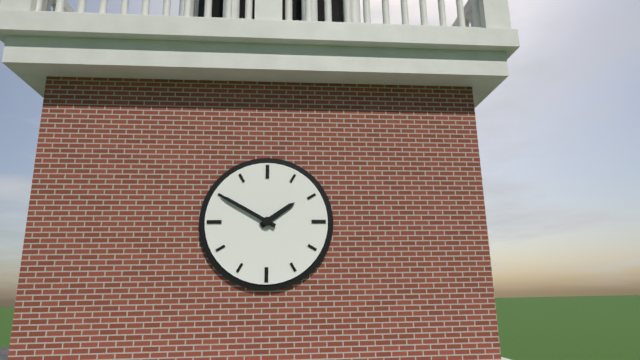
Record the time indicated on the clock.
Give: 1:50
